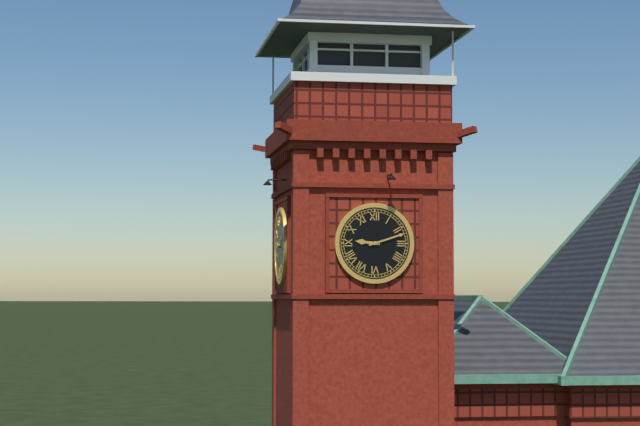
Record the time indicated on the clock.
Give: 9:12
